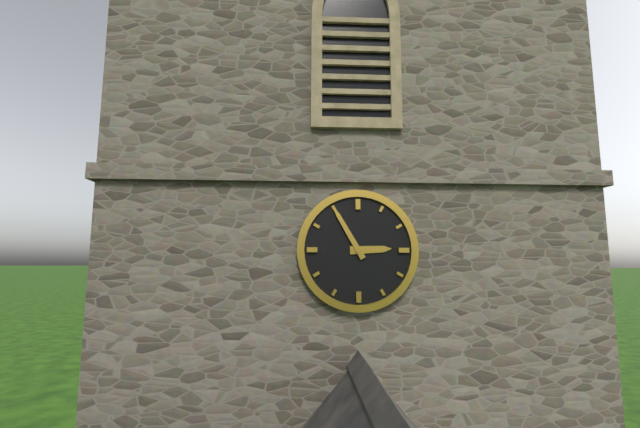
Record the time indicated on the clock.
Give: 2:55
